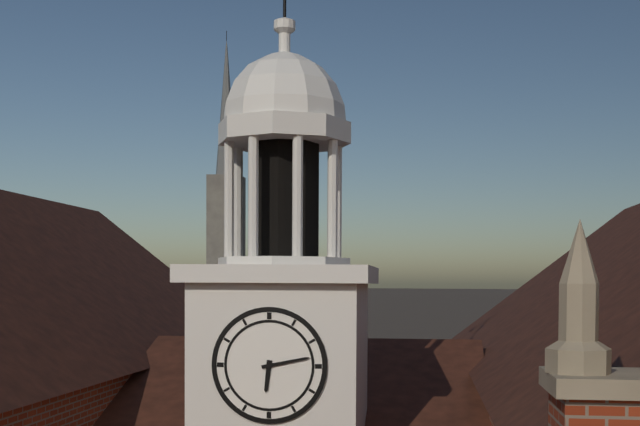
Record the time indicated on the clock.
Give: 6:13
